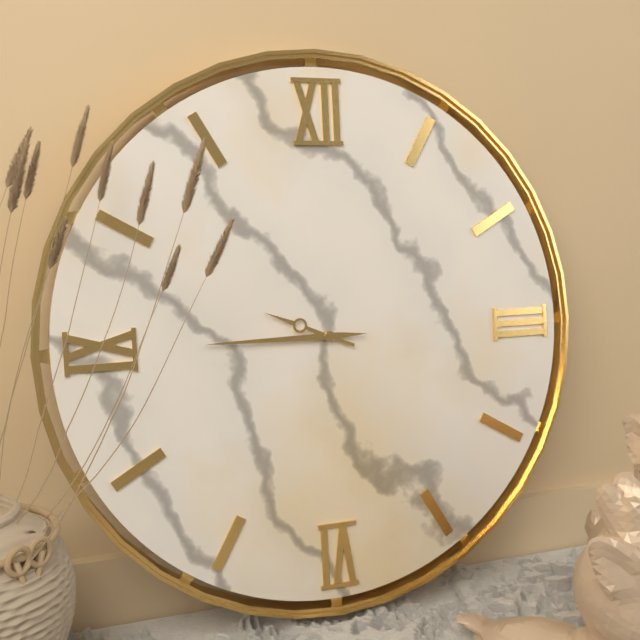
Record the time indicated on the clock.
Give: 9:45
